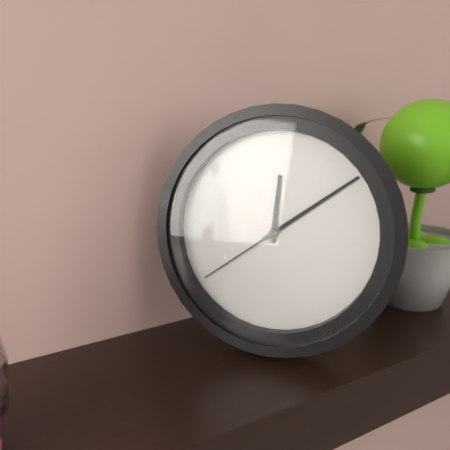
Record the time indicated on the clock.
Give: 12:09:39
